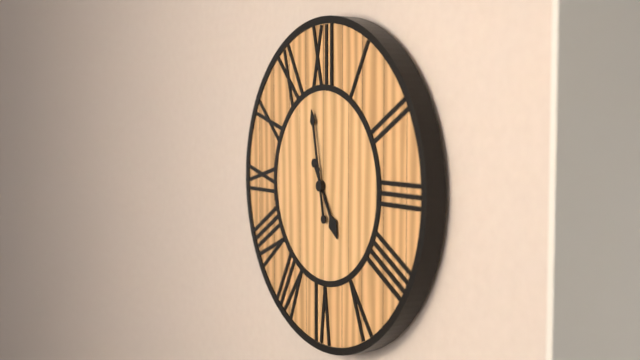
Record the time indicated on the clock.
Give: 4:58
